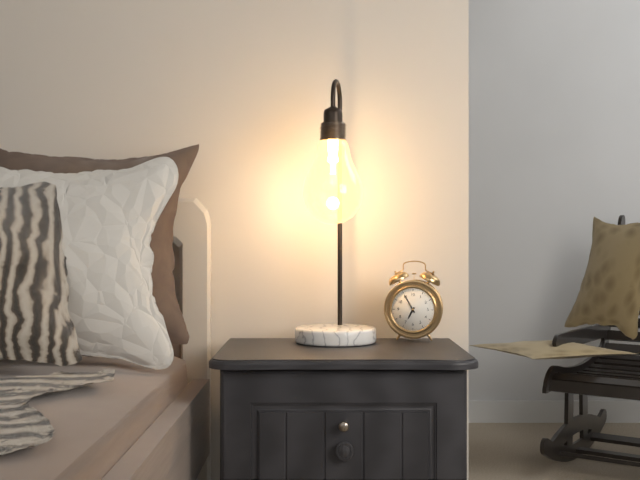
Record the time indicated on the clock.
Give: 6:55
